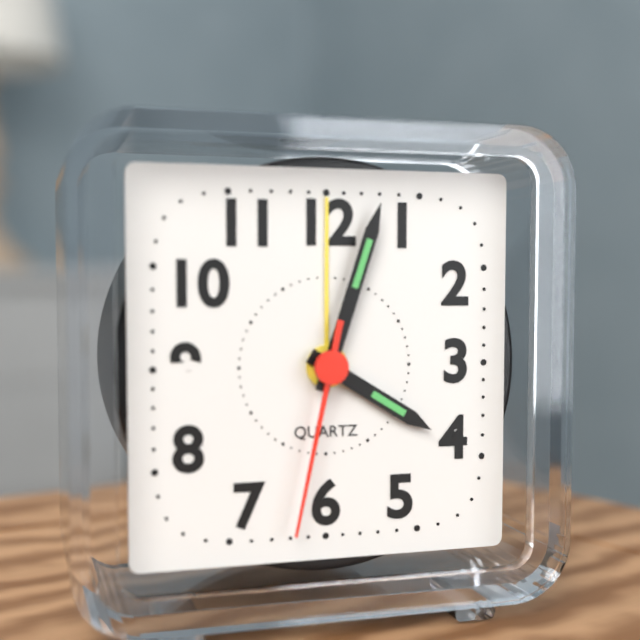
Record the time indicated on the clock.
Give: 4:03:32
